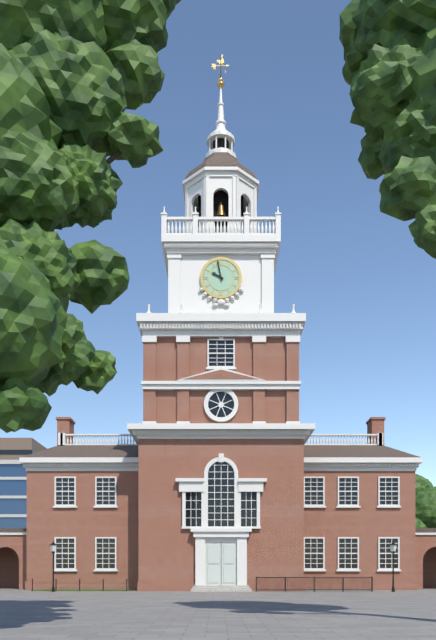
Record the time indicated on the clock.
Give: 9:58
